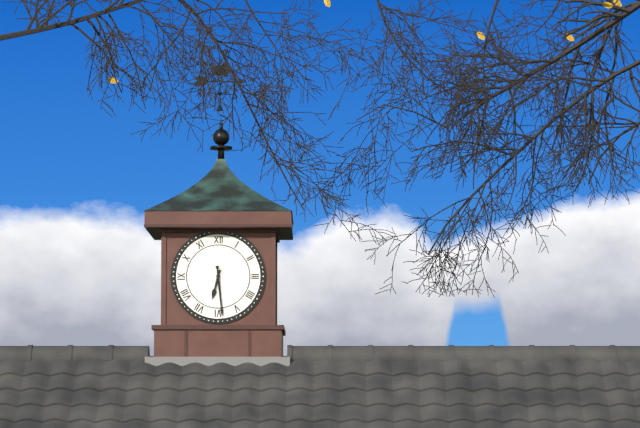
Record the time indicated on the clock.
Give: 6:29
